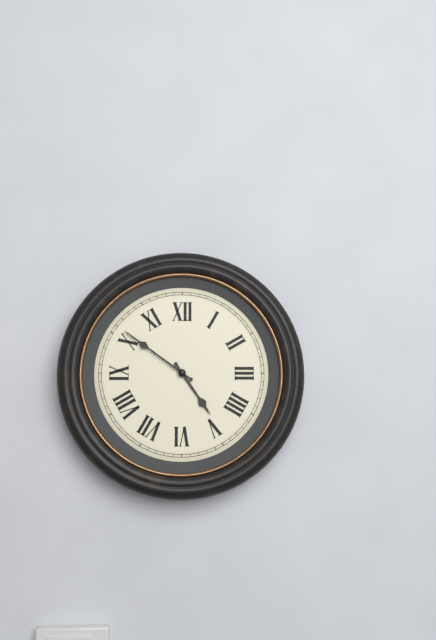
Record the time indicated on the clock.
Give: 4:51
